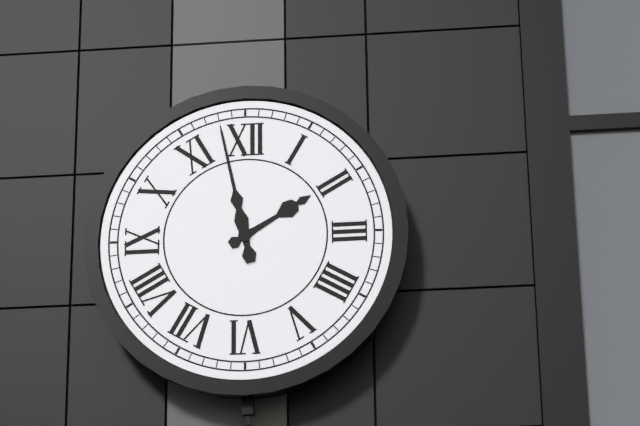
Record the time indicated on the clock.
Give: 1:58
